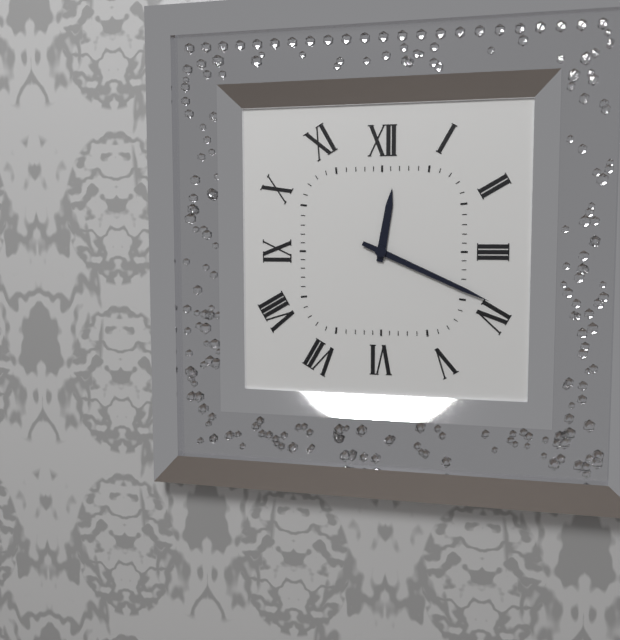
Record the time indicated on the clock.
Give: 12:19
